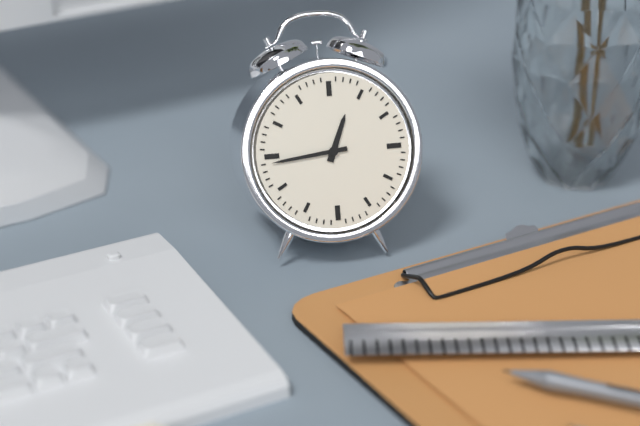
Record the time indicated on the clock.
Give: 12:44
